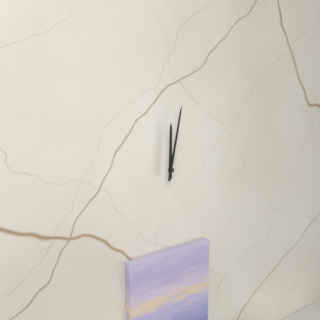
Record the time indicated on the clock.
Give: 12:02
